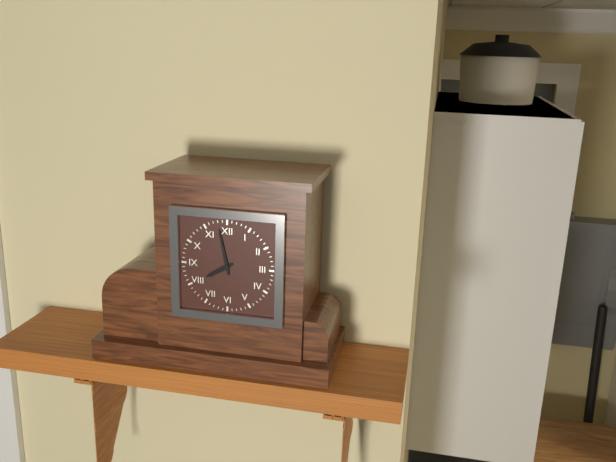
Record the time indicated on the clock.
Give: 7:58
